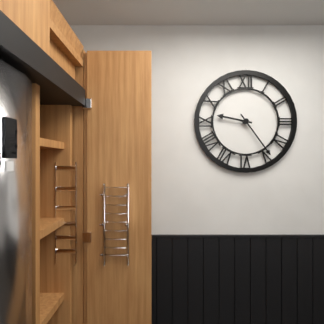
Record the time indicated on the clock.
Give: 9:24
